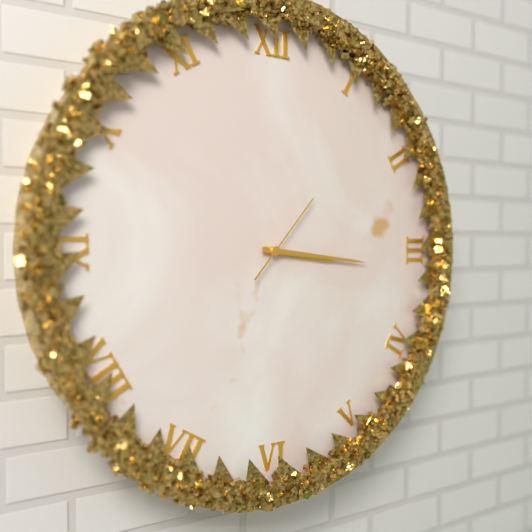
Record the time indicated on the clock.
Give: 3:16:07
